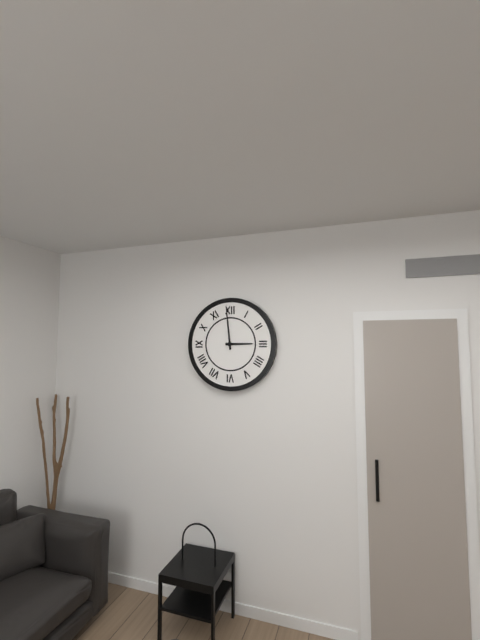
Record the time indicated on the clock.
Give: 2:59
